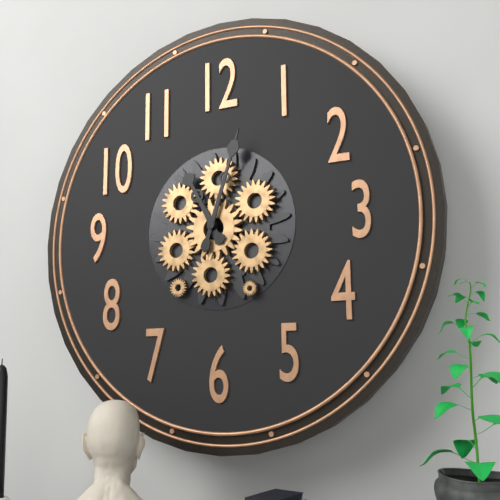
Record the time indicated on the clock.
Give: 11:03
